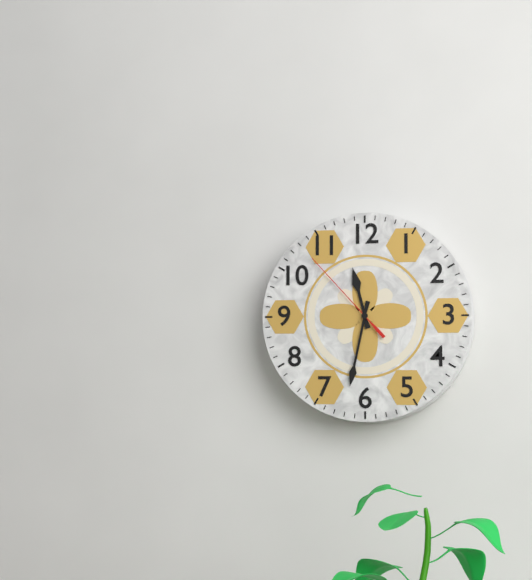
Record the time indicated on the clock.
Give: 11:32:53
